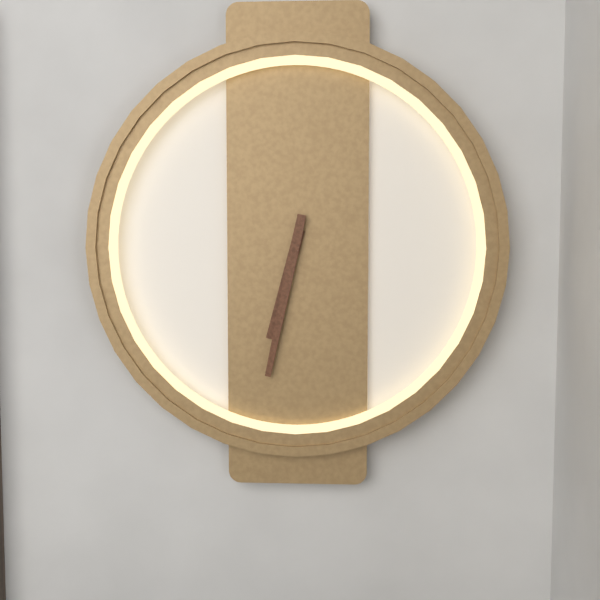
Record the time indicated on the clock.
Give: 6:32
